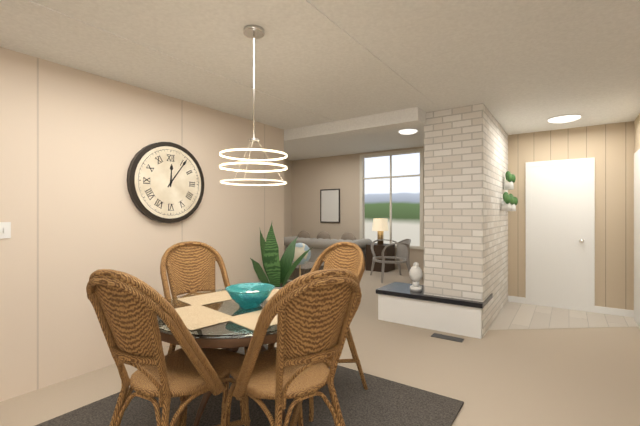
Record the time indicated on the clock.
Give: 12:06
